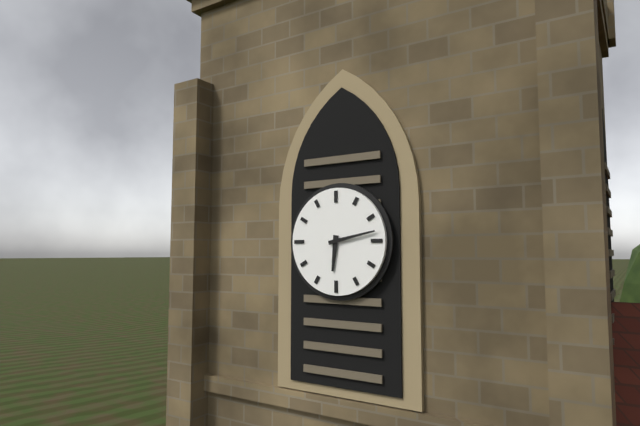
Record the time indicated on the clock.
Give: 6:13
